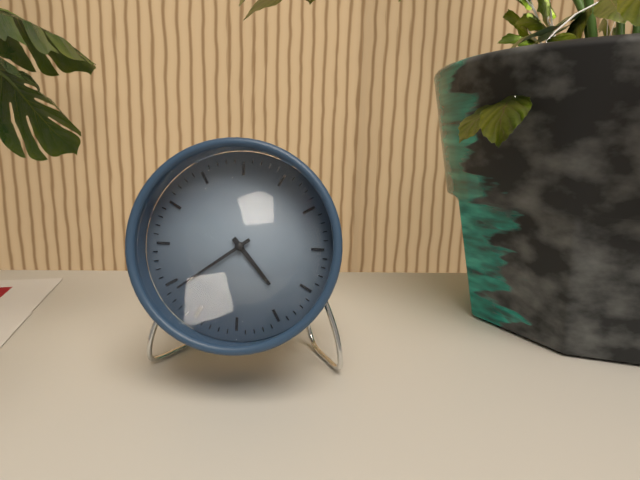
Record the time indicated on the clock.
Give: 4:39
